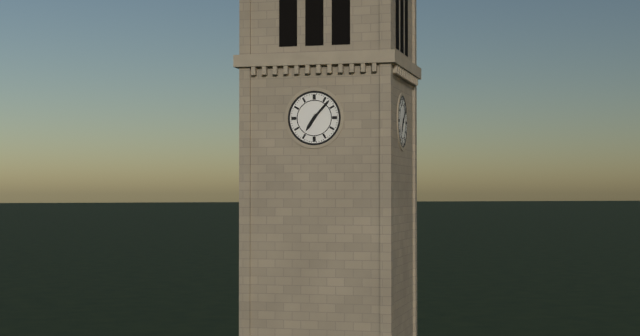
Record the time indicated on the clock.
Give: 7:07
